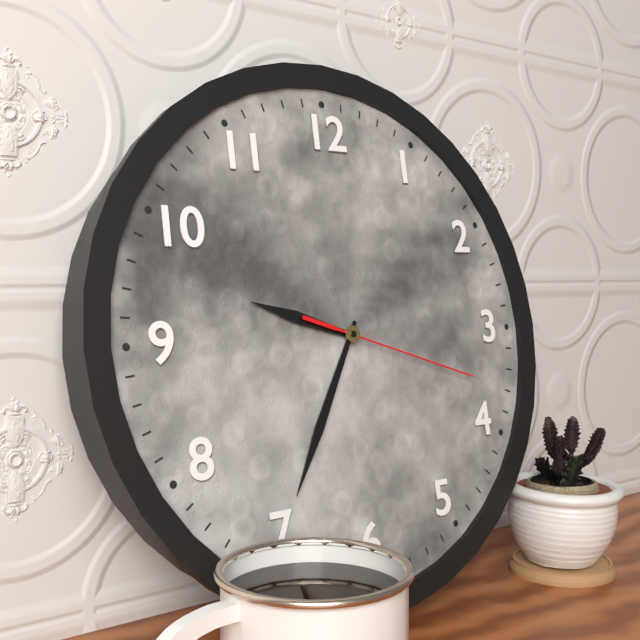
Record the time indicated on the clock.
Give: 9:35:18
